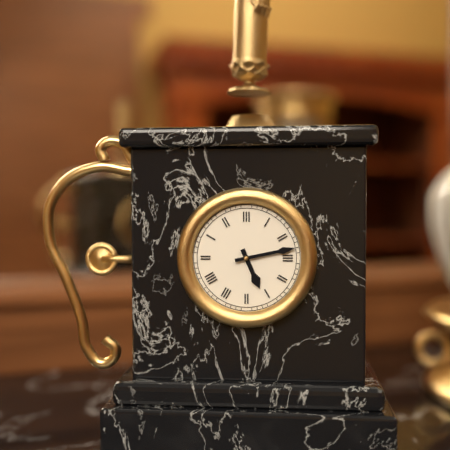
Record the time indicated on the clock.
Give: 5:13
